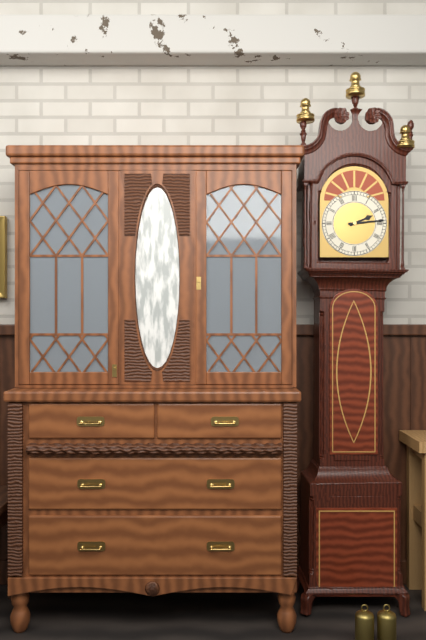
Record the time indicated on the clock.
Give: 2:14
